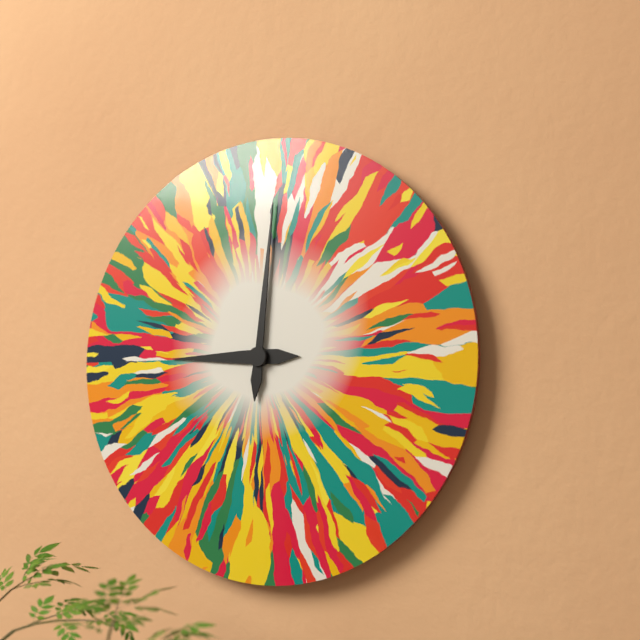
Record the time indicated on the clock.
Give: 9:01
